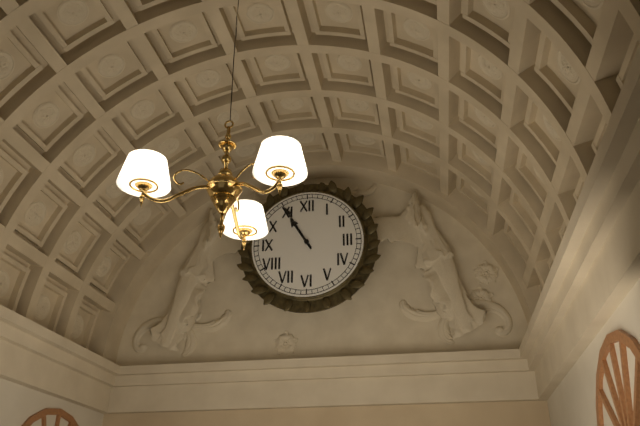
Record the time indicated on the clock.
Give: 10:55
